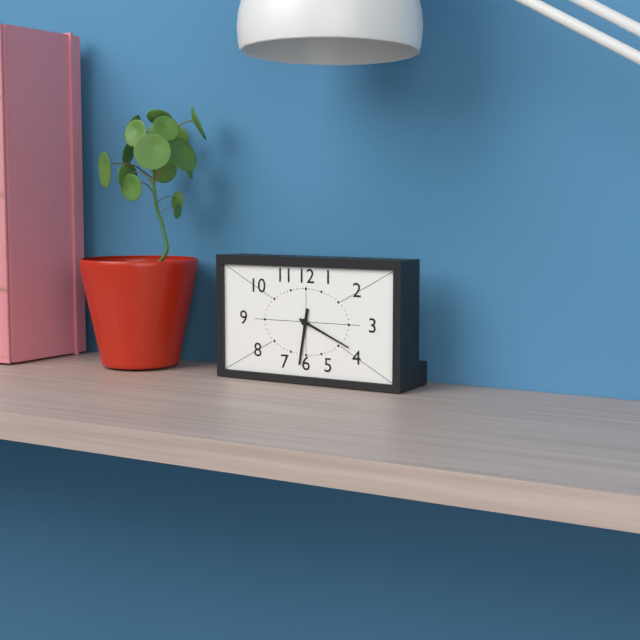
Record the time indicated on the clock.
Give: 6:19
